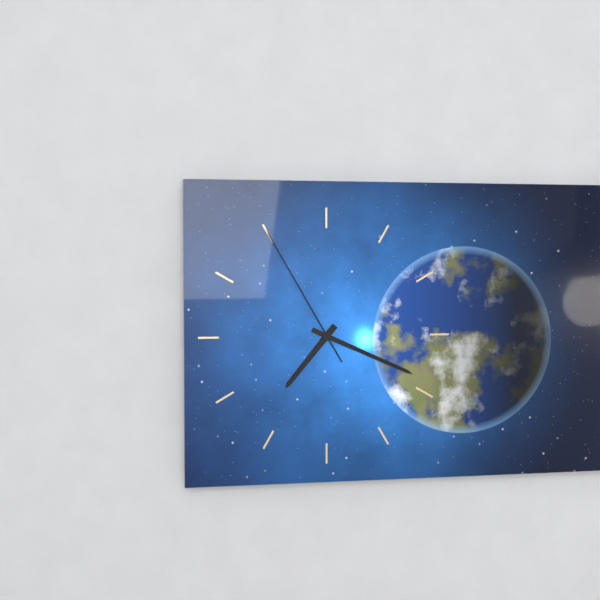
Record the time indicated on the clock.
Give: 7:19:55
